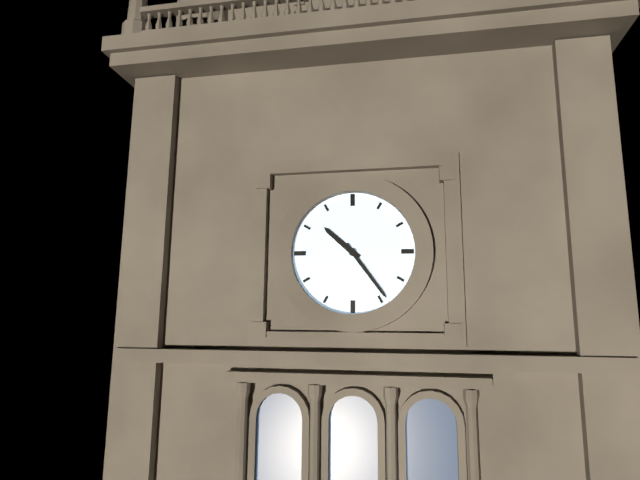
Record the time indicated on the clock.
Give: 10:24
